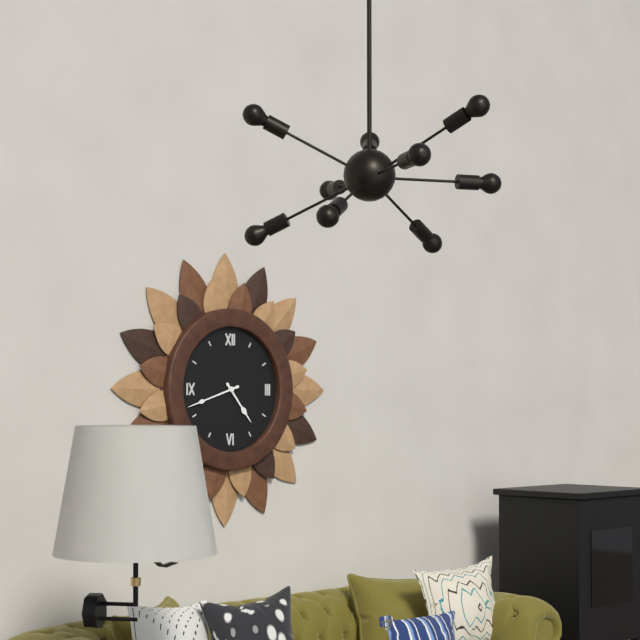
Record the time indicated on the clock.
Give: 4:42
